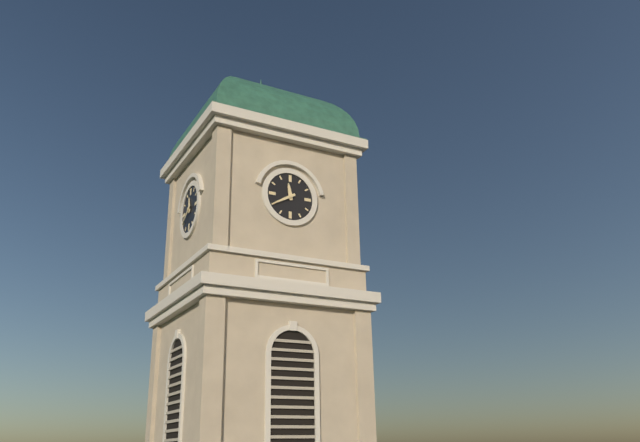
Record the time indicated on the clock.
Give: 11:40
